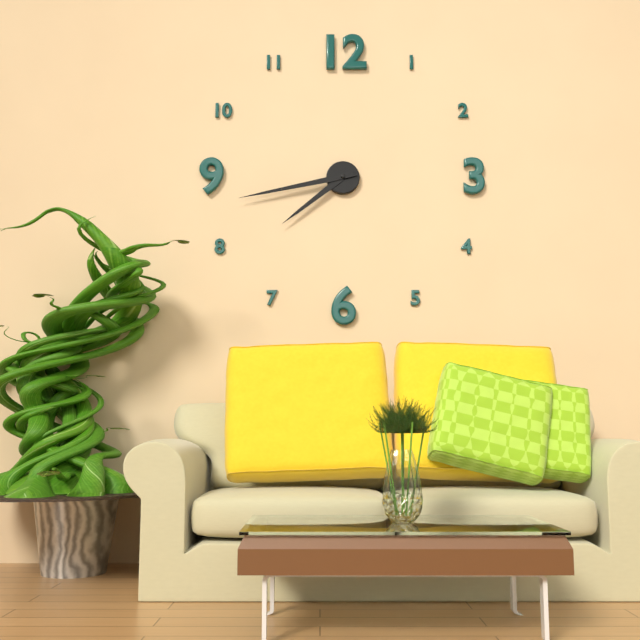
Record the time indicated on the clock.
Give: 7:43
